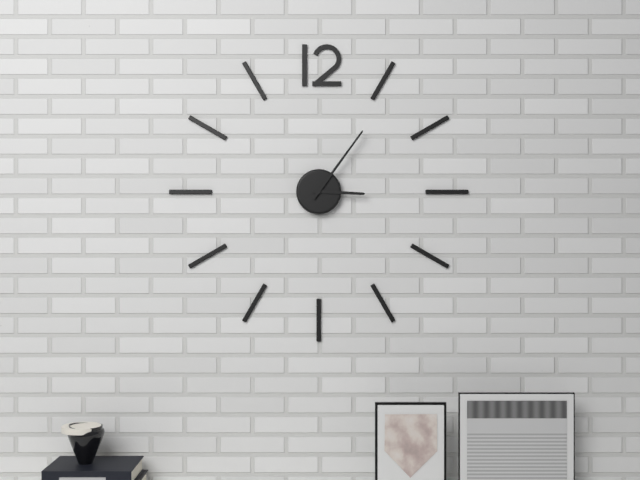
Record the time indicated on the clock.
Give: 3:06
